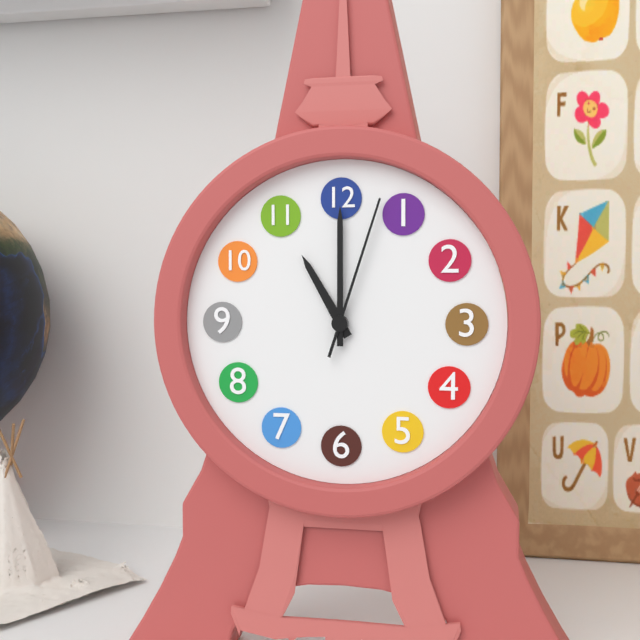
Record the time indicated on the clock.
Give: 11:00:03
